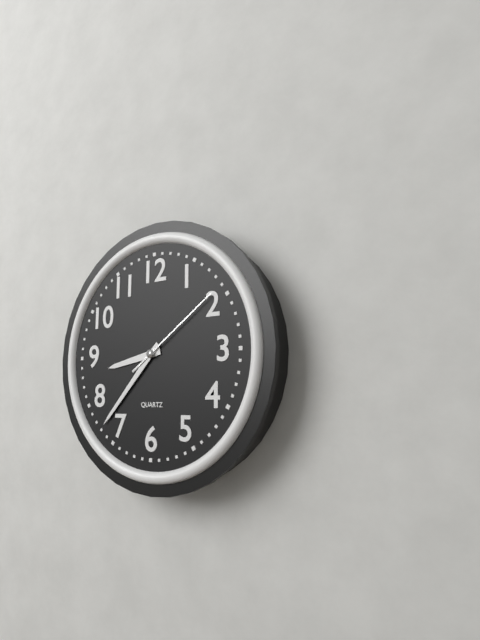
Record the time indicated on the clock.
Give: 8:37:09
